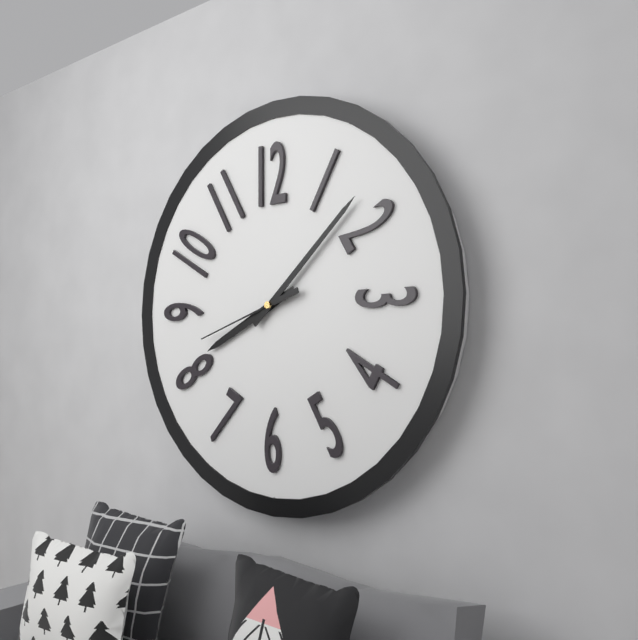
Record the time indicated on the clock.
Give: 8:08:42
